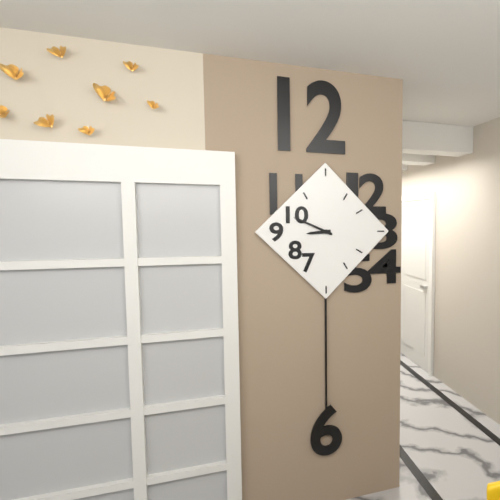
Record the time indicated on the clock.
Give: 8:49
